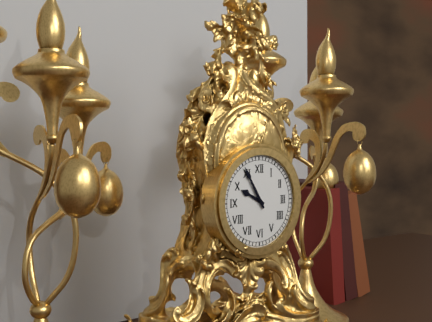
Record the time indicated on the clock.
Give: 9:55
